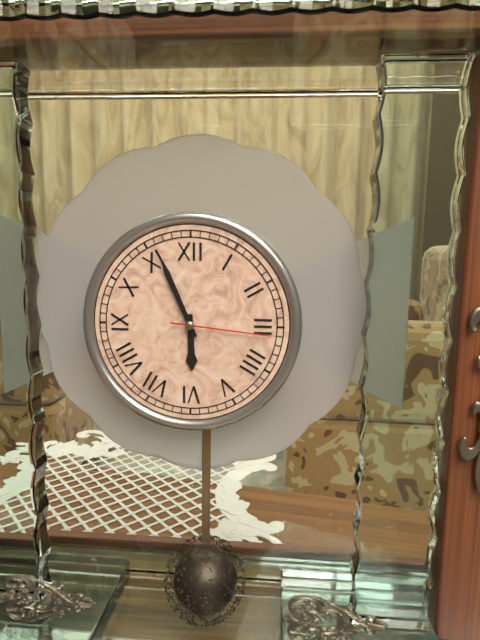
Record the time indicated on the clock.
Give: 5:56:16
